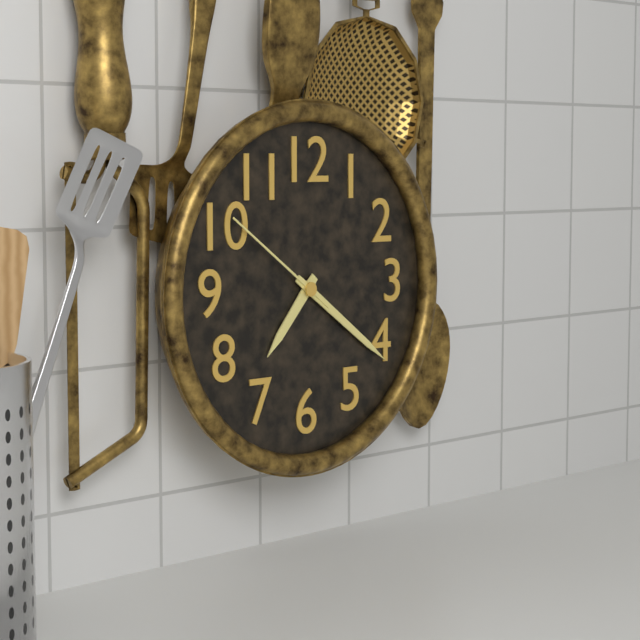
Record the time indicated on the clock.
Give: 7:21:51
